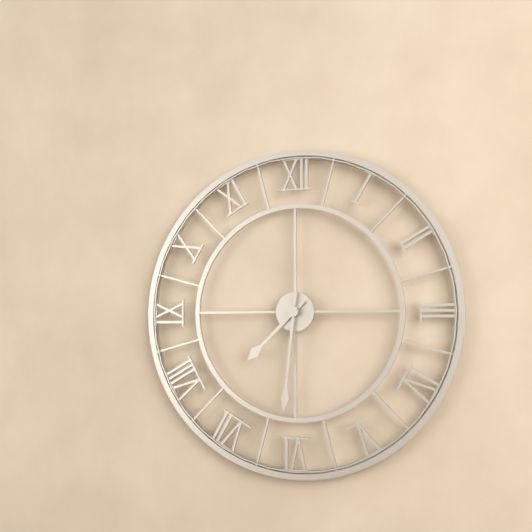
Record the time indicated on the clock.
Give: 7:31
